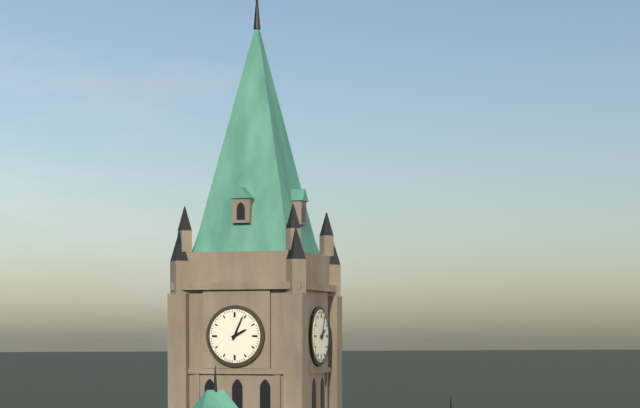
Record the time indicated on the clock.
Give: 2:04
